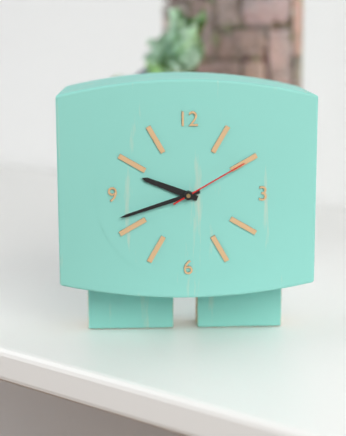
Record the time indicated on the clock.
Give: 9:42:10
